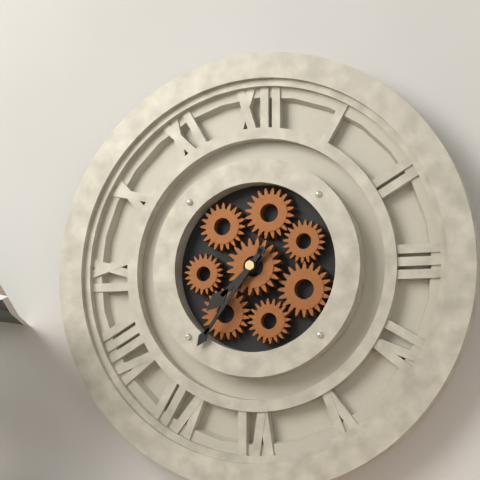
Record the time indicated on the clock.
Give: 7:36
